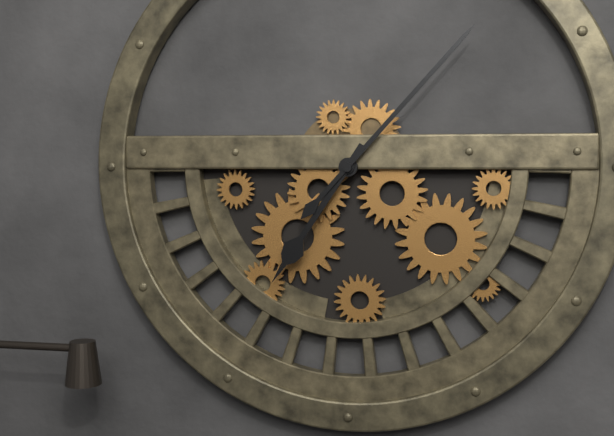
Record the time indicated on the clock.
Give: 7:07
